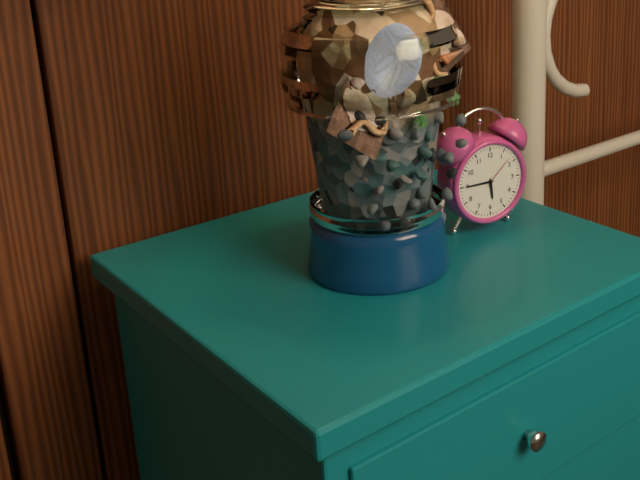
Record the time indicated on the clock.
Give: 5:45
